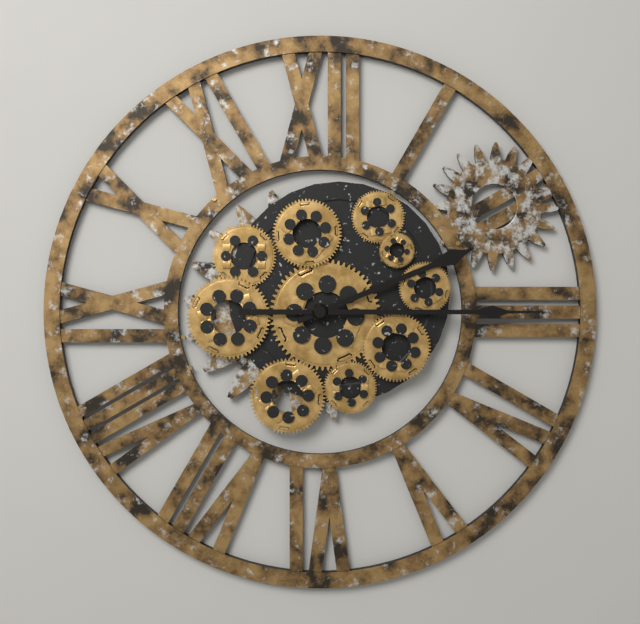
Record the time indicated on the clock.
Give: 2:15
